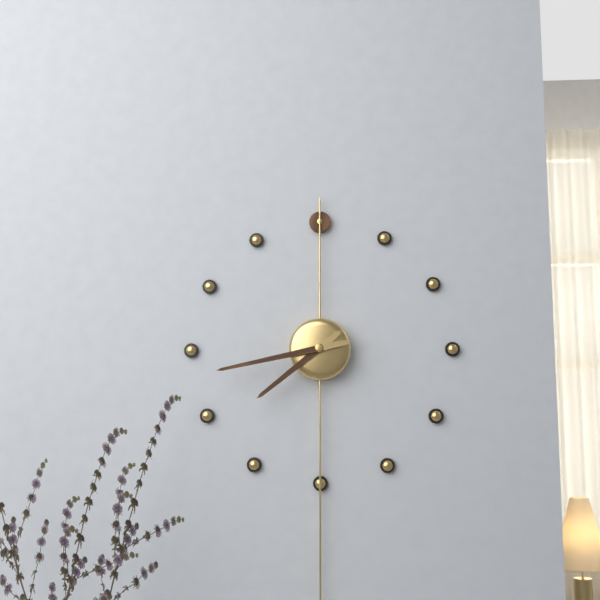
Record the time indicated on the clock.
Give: 7:43
